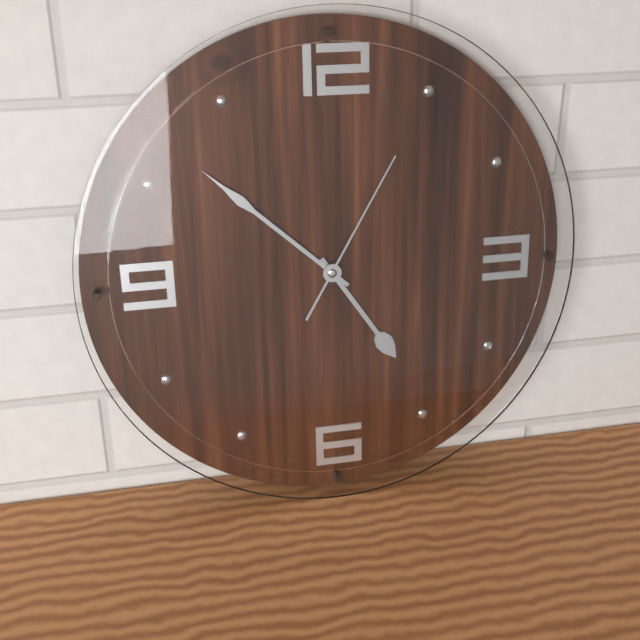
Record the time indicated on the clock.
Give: 4:52:05
